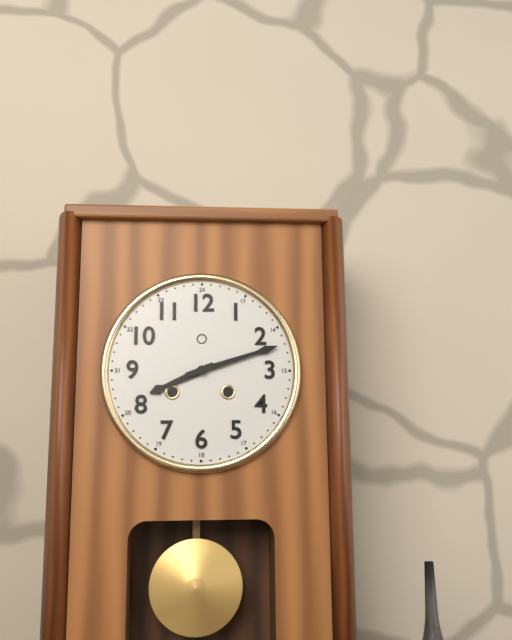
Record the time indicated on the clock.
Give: 8:12
